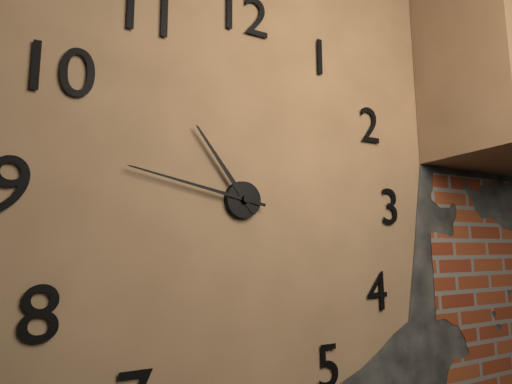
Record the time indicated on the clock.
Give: 10:47
